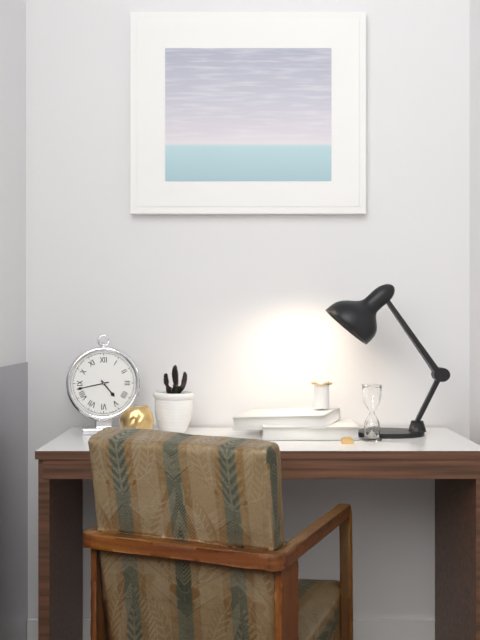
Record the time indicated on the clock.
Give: 4:43
